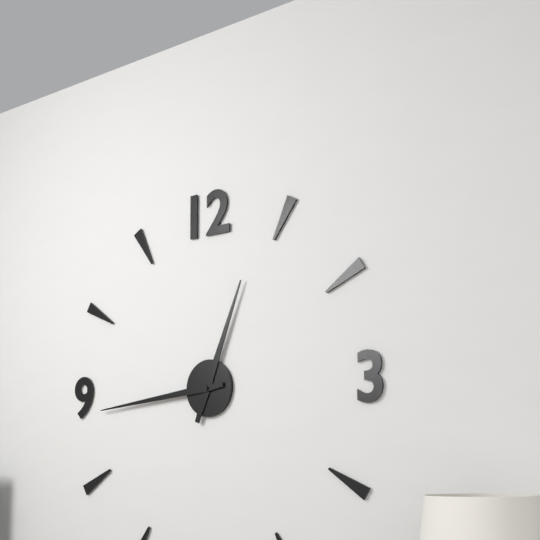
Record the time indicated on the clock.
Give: 12:44
